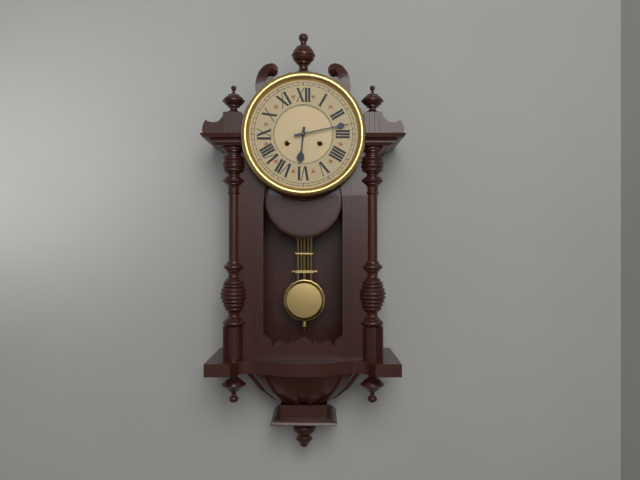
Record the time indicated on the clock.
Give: 6:13
